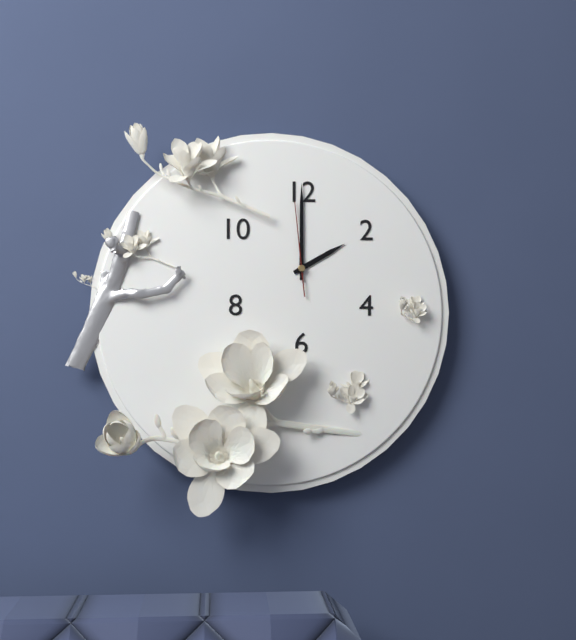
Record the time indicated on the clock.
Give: 2:00:59
